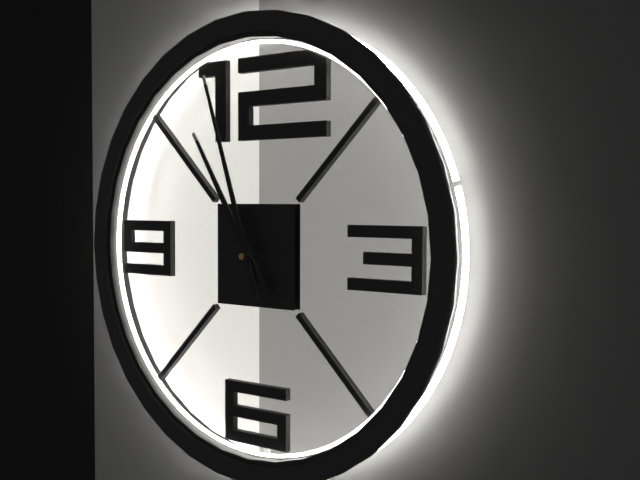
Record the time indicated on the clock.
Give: 10:57
